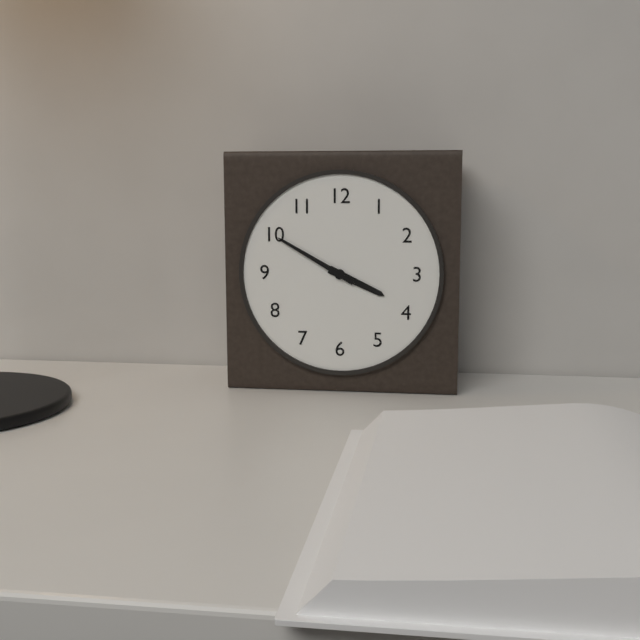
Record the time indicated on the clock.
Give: 3:50
